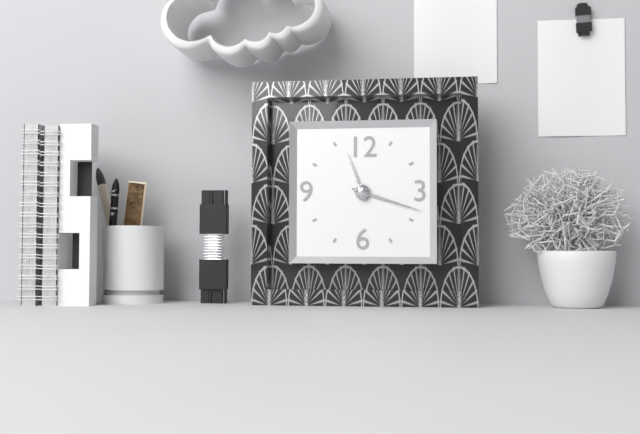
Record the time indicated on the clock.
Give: 11:18
